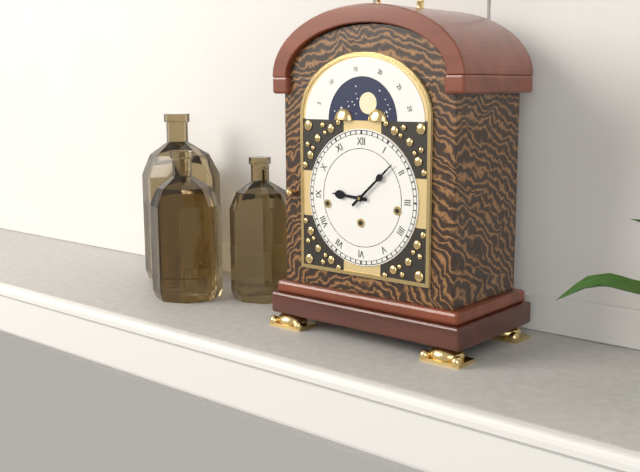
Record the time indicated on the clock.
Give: 9:08
